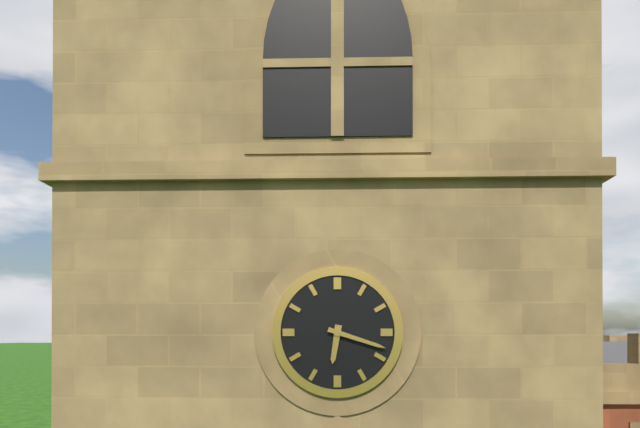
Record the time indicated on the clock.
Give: 6:18
